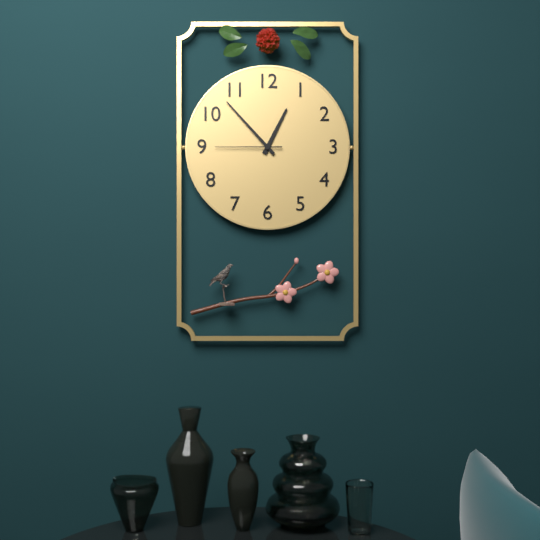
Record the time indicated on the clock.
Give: 12:53:45
